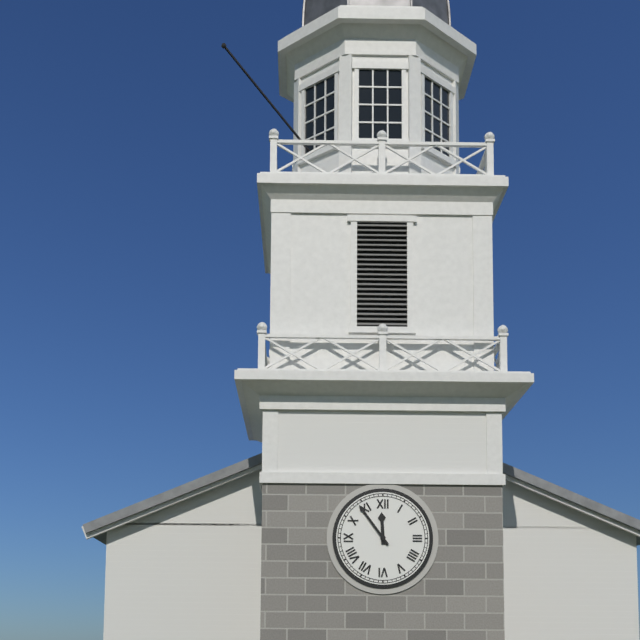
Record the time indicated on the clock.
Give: 11:54
